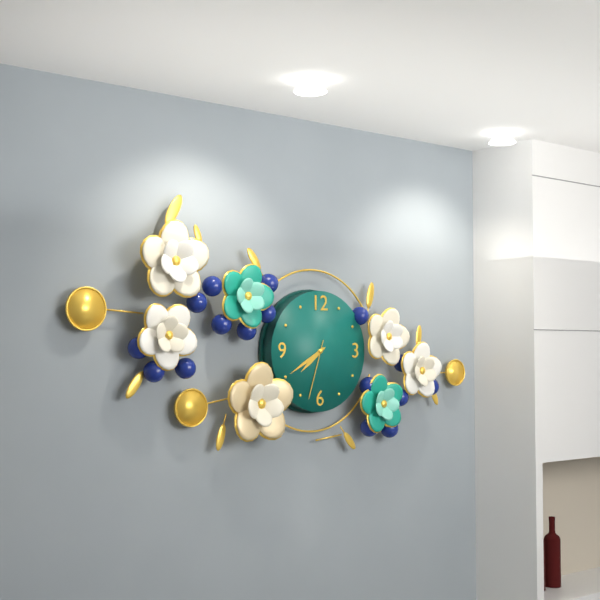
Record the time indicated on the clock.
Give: 7:40:33
